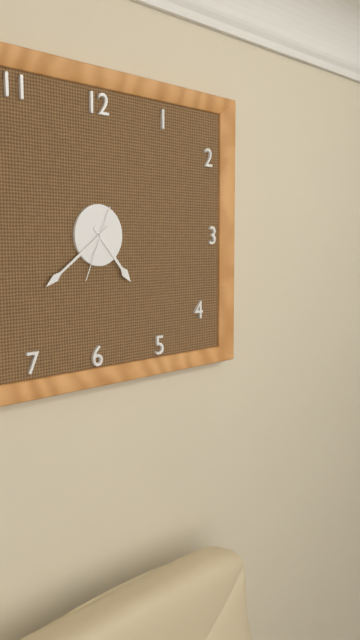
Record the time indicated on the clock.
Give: 4:39:34
